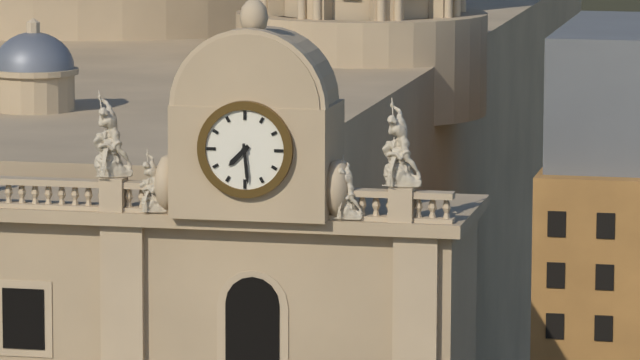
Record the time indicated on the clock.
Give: 7:29
